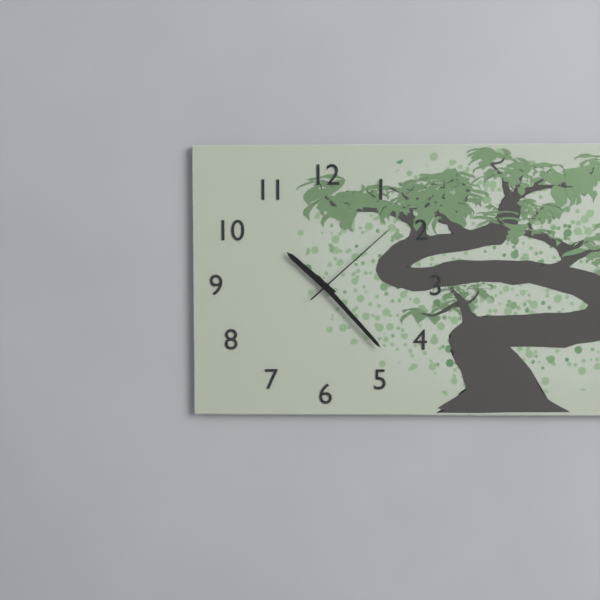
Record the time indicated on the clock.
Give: 10:23:08
